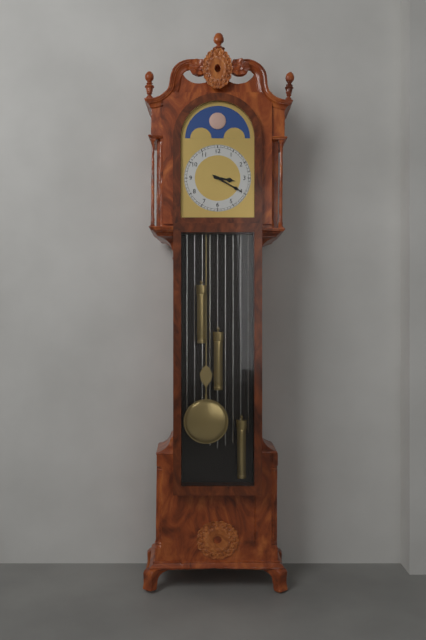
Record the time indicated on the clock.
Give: 3:20
